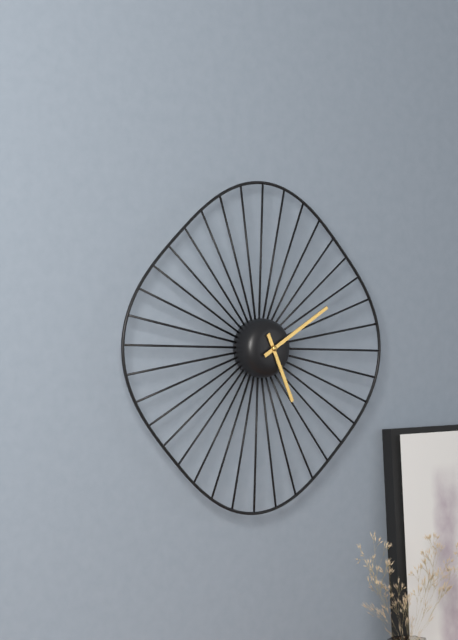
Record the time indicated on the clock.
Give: 5:10
